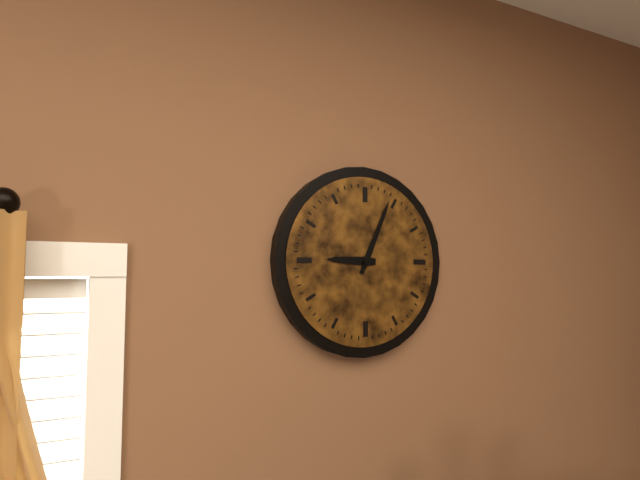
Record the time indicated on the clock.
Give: 9:04
